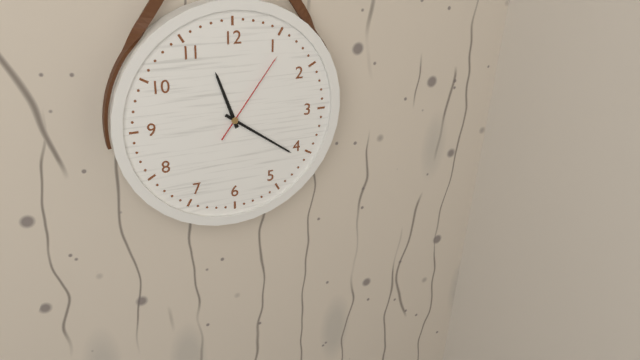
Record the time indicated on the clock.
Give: 11:21:06
